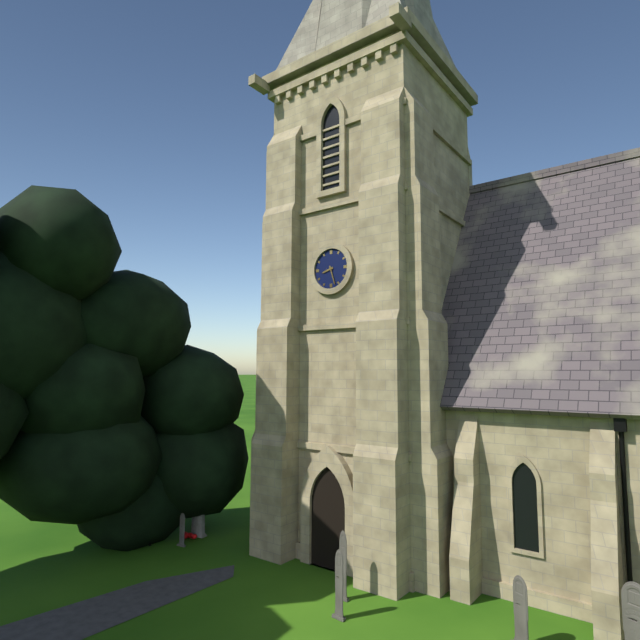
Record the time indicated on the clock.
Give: 8:27
